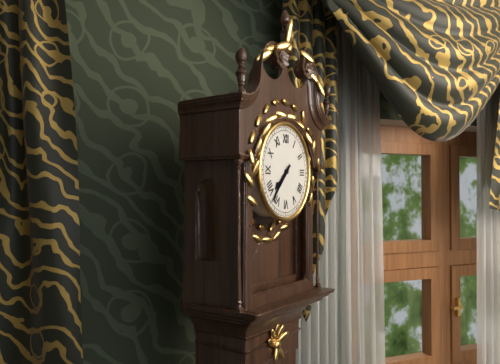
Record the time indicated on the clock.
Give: 7:37
